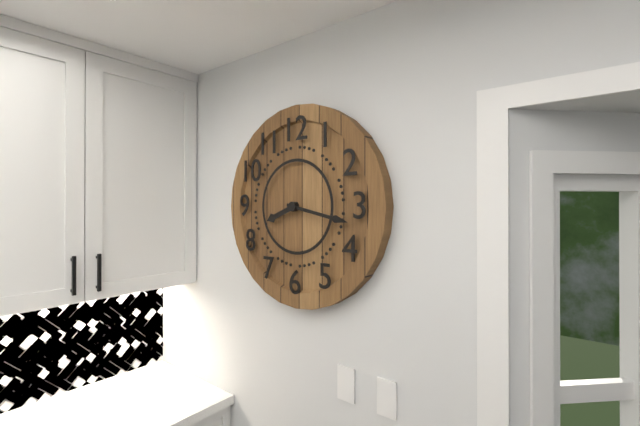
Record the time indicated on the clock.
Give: 8:17
